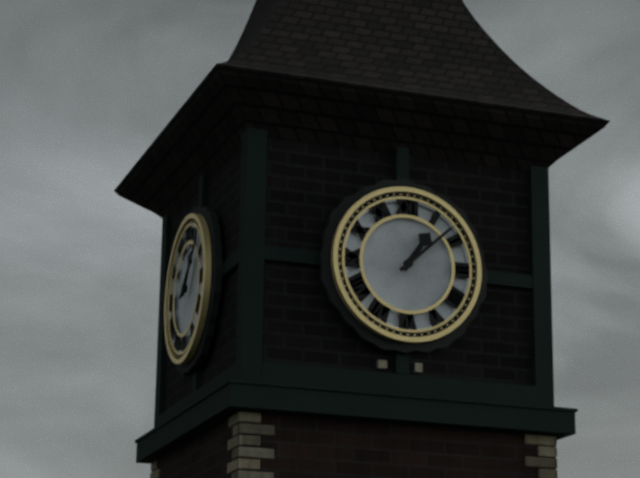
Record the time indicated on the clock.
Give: 1:08
